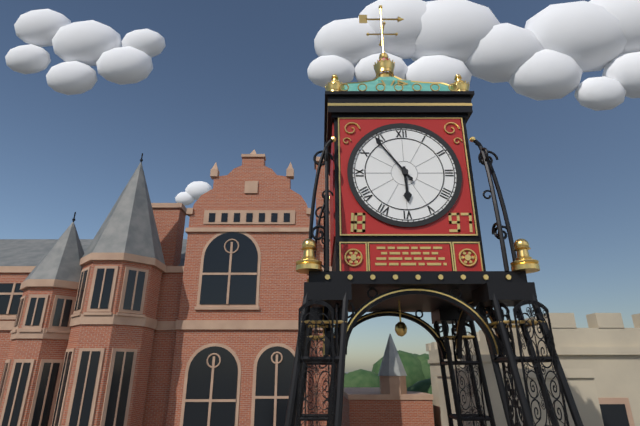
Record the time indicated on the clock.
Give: 5:54
